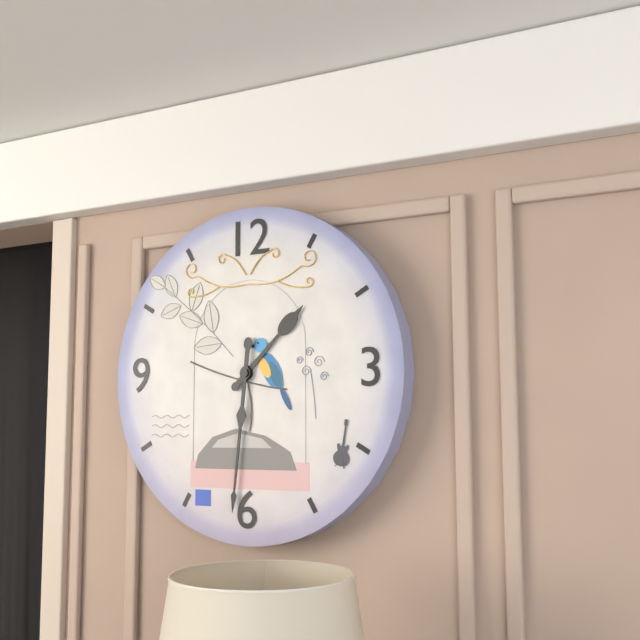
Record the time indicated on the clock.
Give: 1:31
